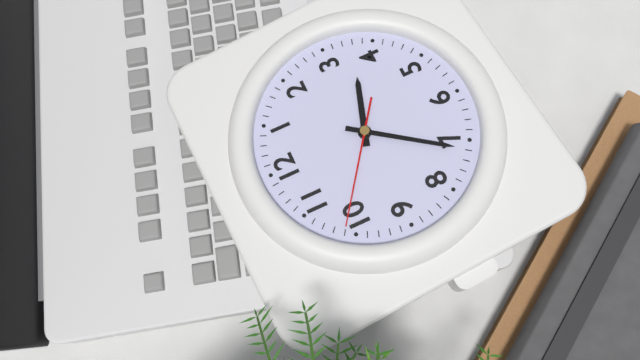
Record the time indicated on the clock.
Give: 3:36:51
